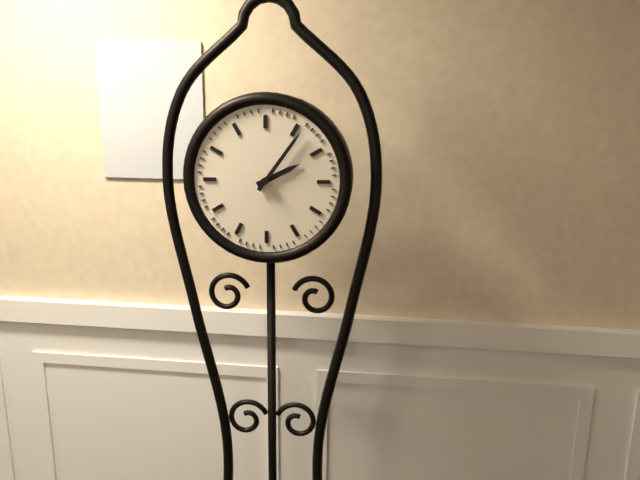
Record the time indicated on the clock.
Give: 2:06
